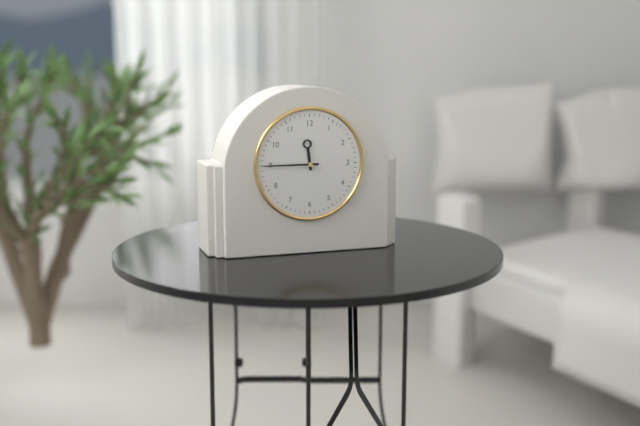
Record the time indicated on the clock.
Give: 11:45
